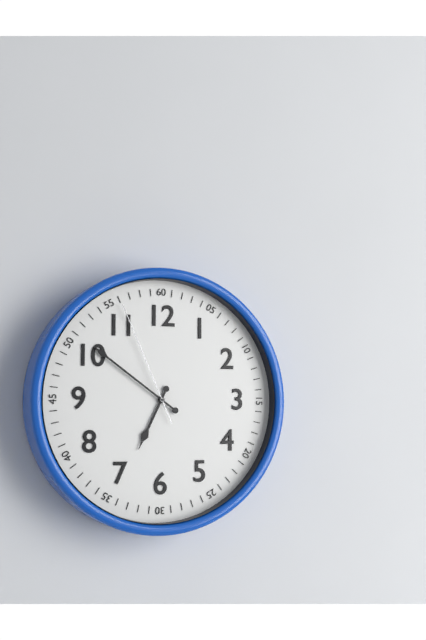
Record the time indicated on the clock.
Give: 6:51:56
